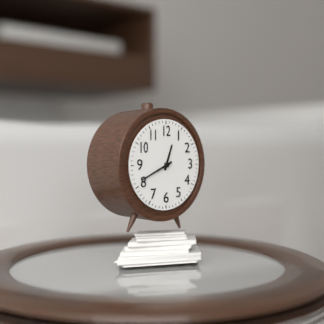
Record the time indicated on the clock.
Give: 12:41
